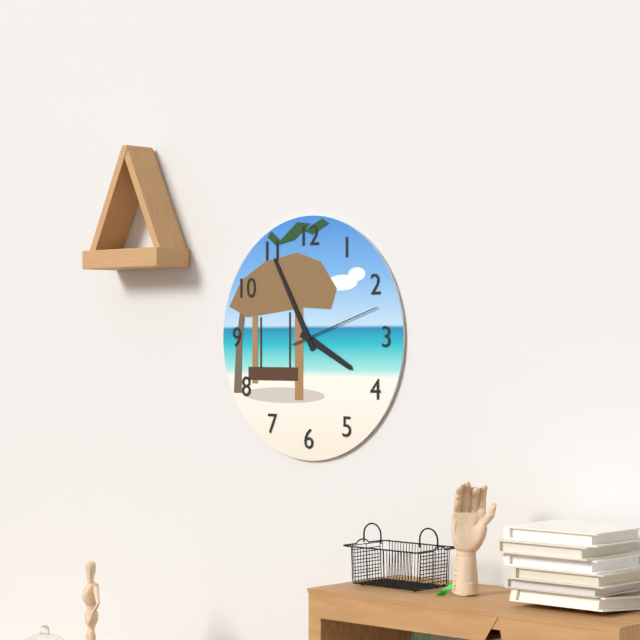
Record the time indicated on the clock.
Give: 3:55:12
